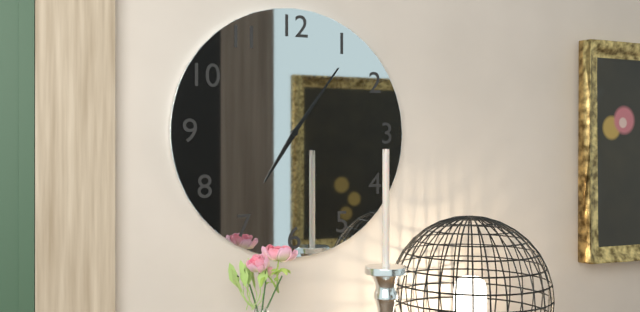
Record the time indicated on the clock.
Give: 7:06
